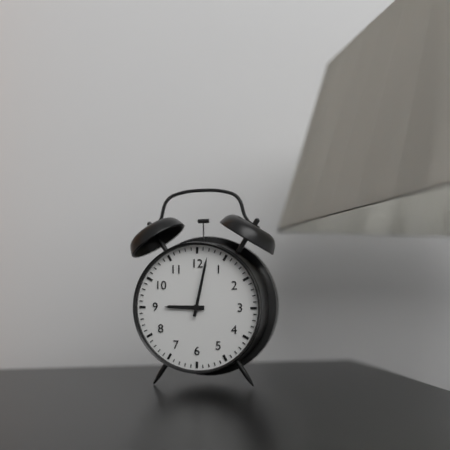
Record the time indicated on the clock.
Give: 9:02
